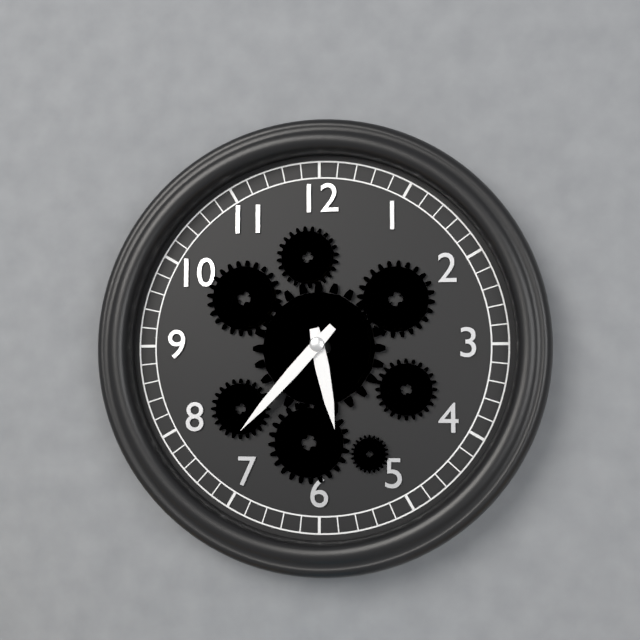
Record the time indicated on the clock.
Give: 5:37
